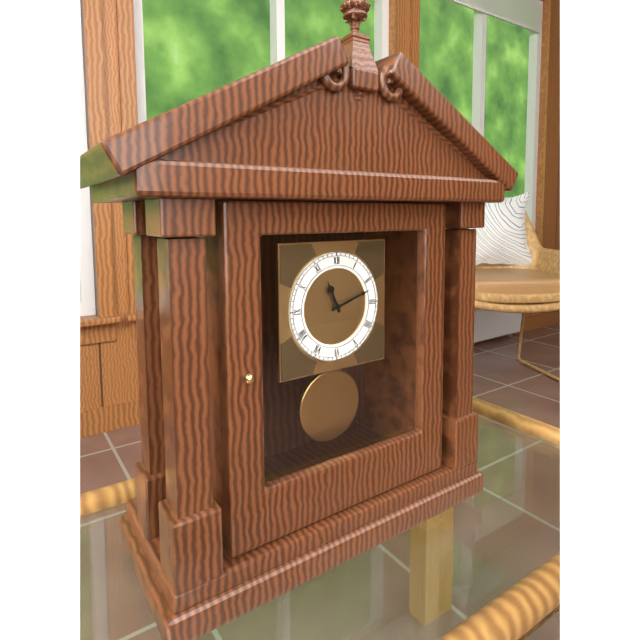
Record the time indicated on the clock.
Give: 11:12
